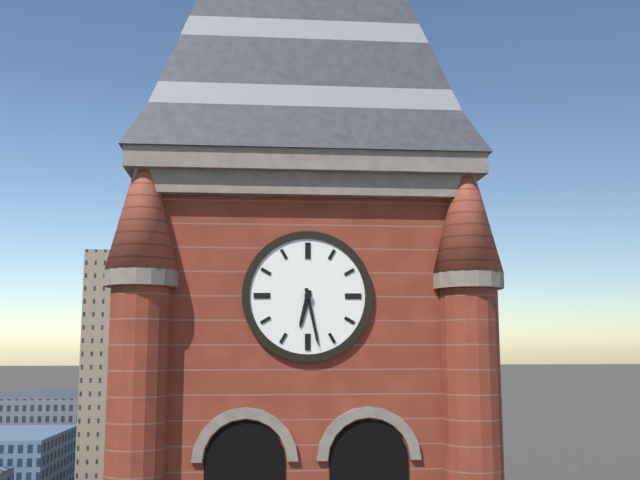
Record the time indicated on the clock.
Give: 6:28
